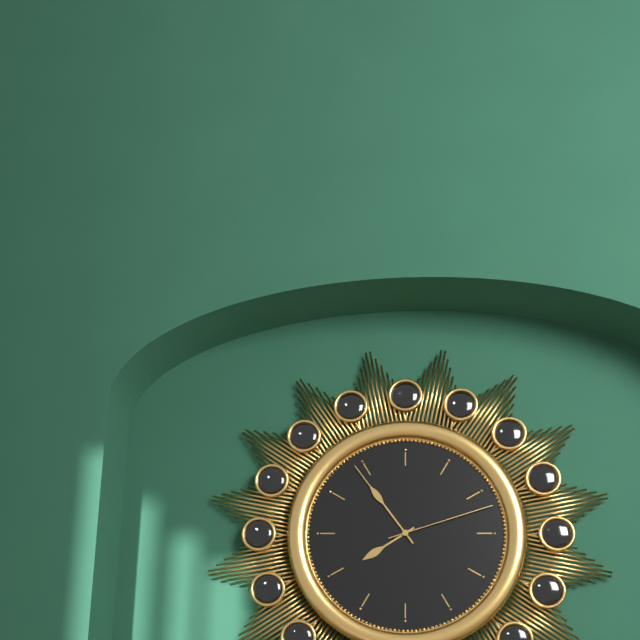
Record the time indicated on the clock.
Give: 7:54:12
